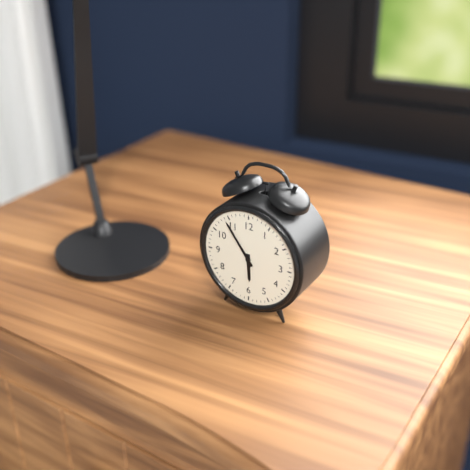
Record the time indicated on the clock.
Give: 5:54
